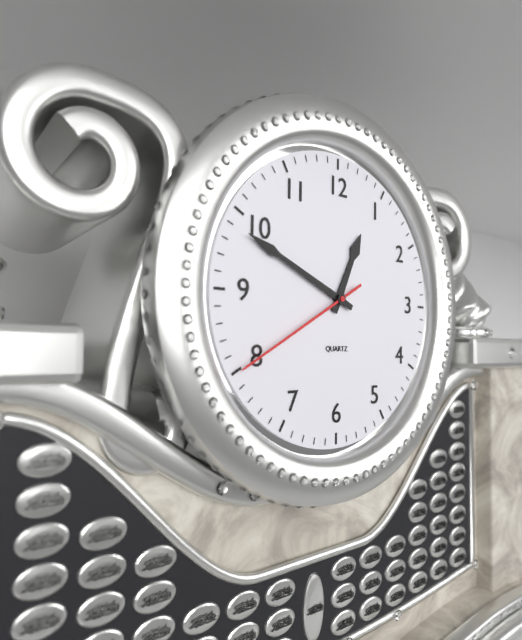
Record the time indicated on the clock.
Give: 12:49:40
